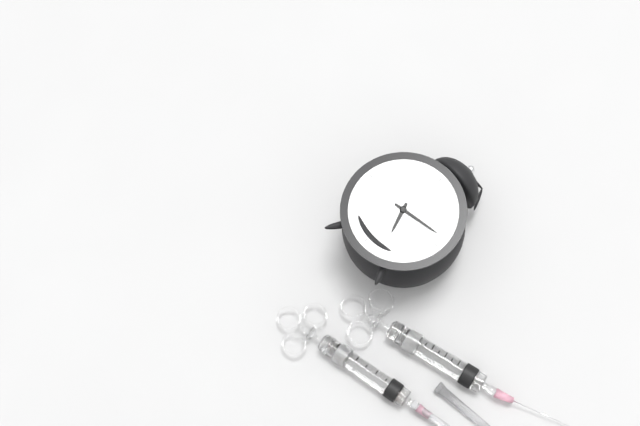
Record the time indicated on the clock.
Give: 5:13
